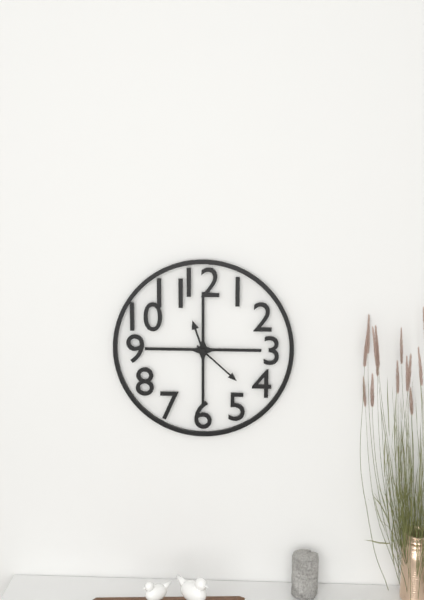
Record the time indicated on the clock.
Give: 11:22
